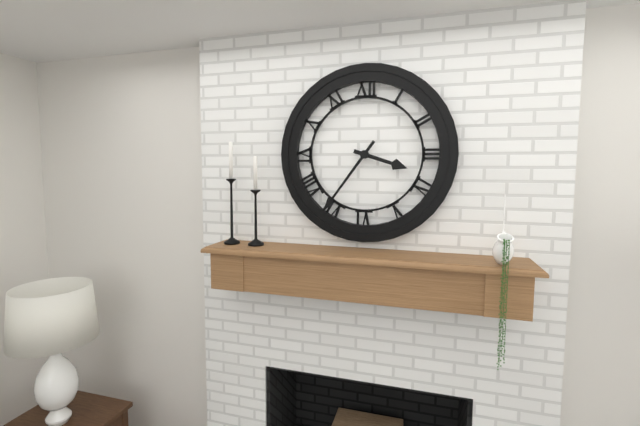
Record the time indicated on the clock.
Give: 3:36
